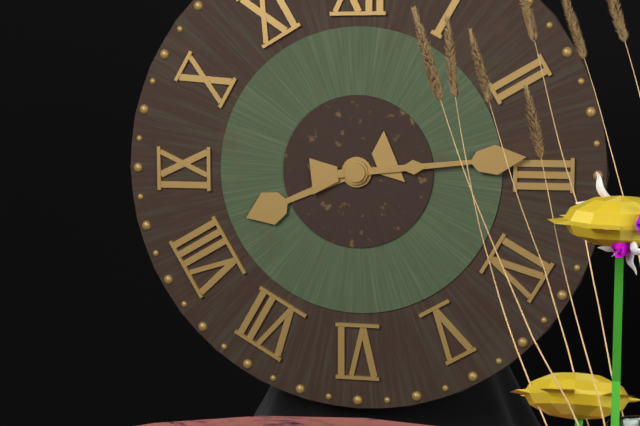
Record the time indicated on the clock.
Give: 8:14
